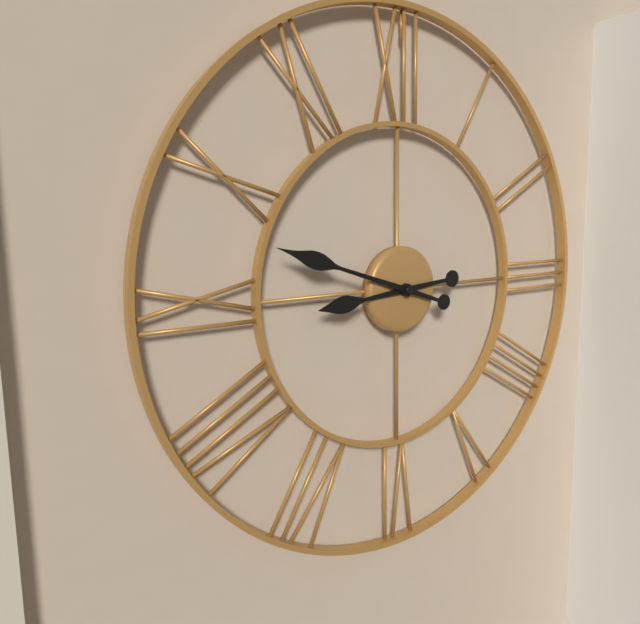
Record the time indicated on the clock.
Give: 8:48
